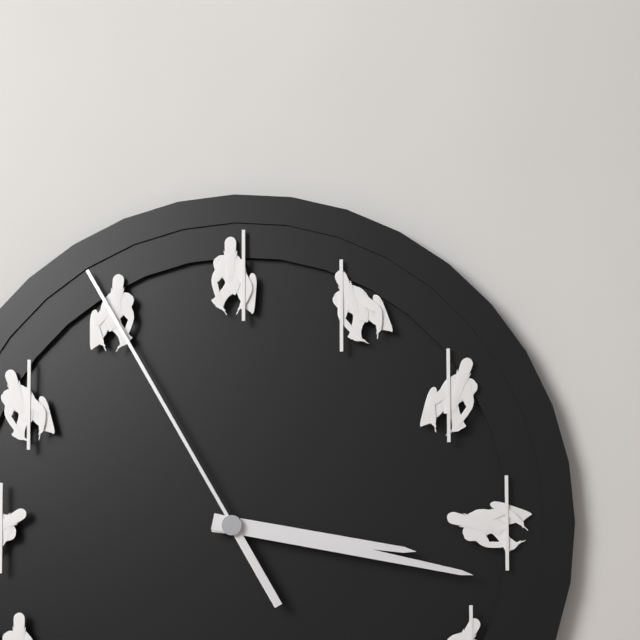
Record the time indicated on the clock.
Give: 3:17:55
